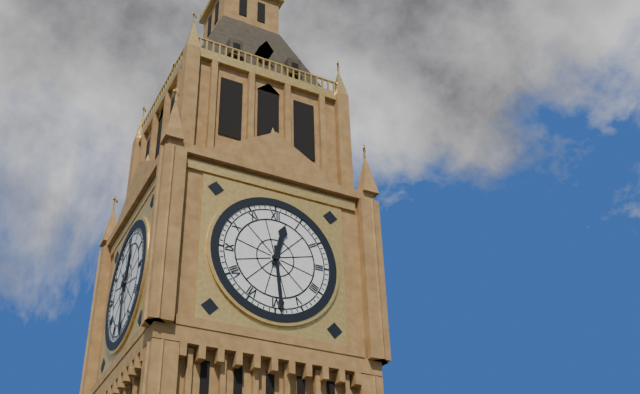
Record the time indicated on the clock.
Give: 12:29
